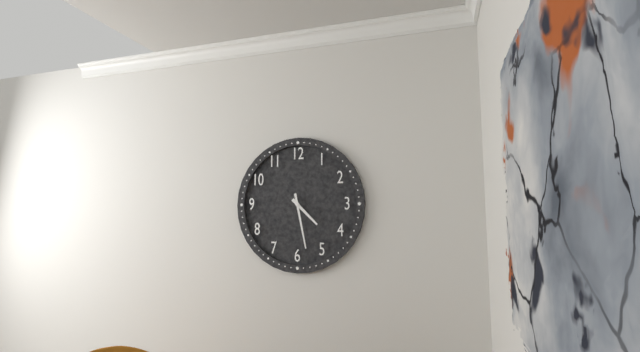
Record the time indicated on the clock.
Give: 4:28
